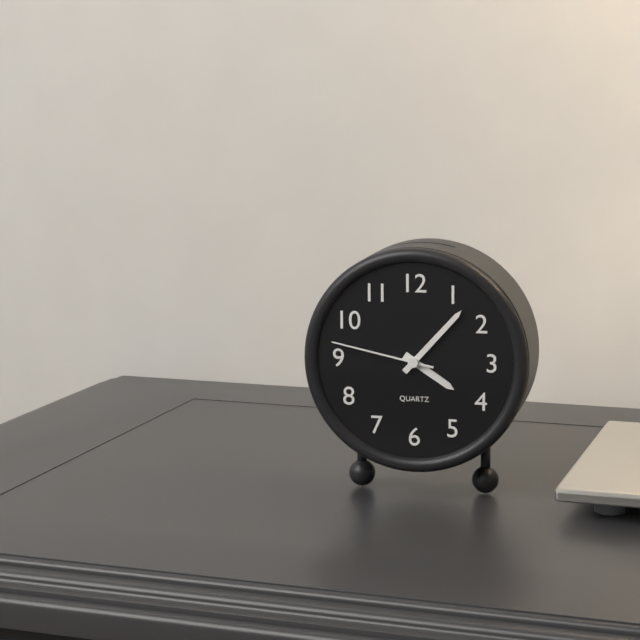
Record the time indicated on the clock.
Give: 4:07:47
